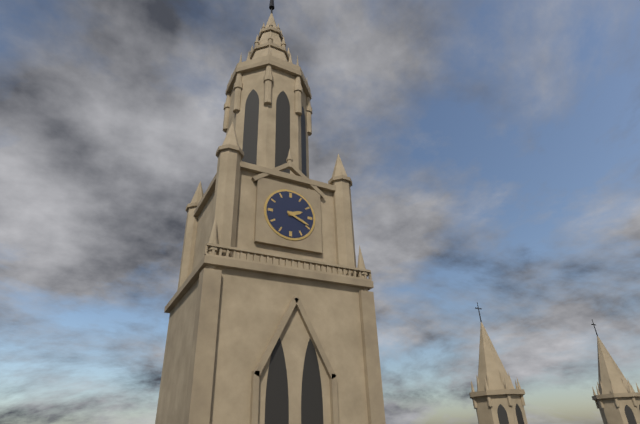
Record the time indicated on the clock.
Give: 2:19
